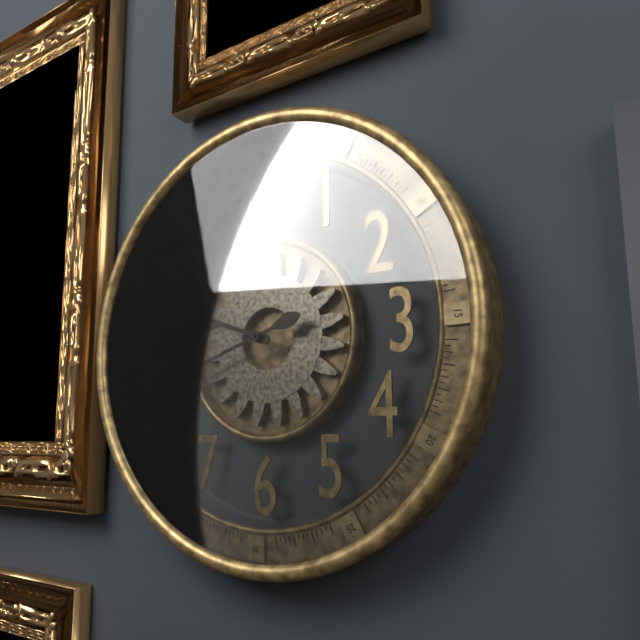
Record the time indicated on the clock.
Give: 9:42
